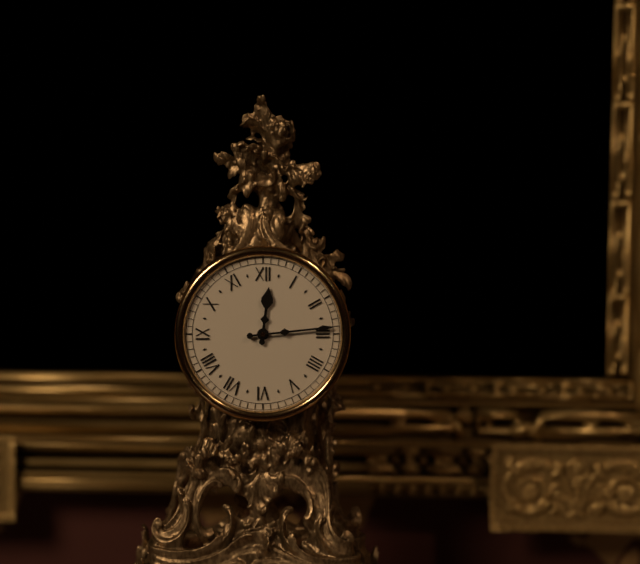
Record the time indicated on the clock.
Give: 12:14
